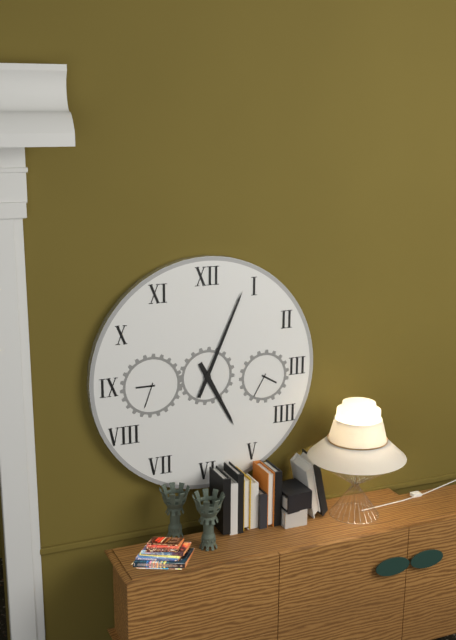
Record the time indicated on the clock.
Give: 5:04
